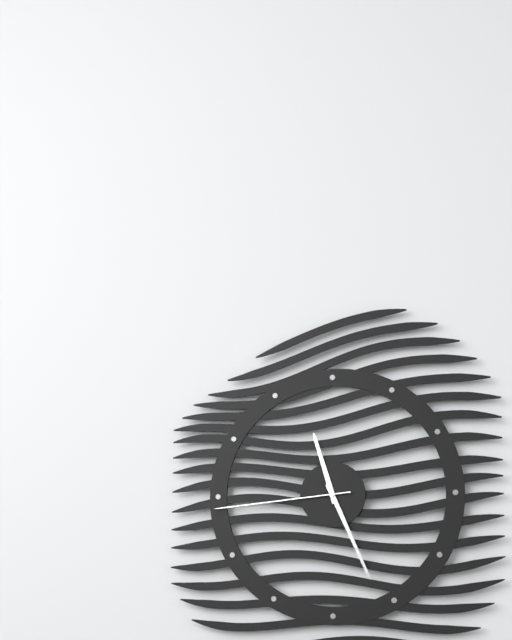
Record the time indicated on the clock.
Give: 11:26:44
